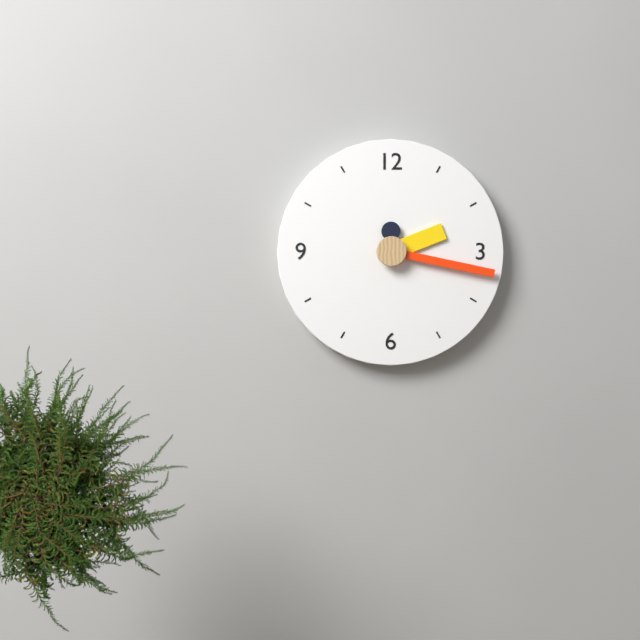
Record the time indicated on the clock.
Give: 2:17
